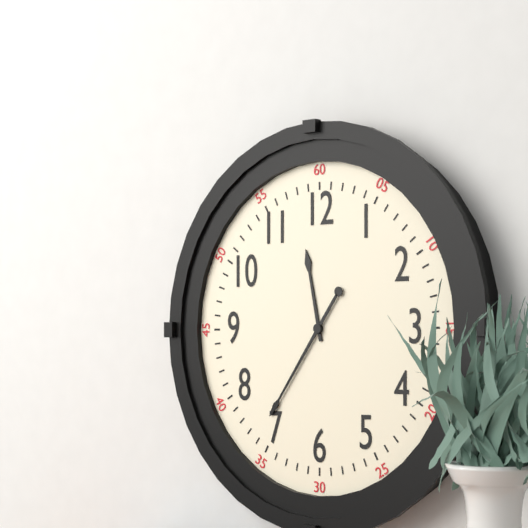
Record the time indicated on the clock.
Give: 11:36
